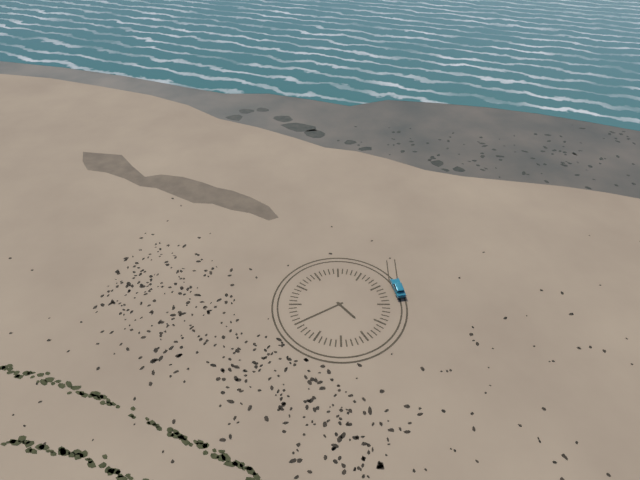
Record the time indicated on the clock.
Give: 4:40
